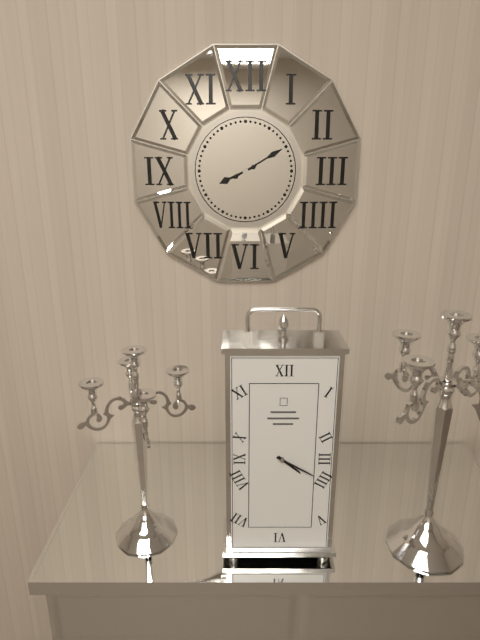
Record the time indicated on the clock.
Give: 8:10
